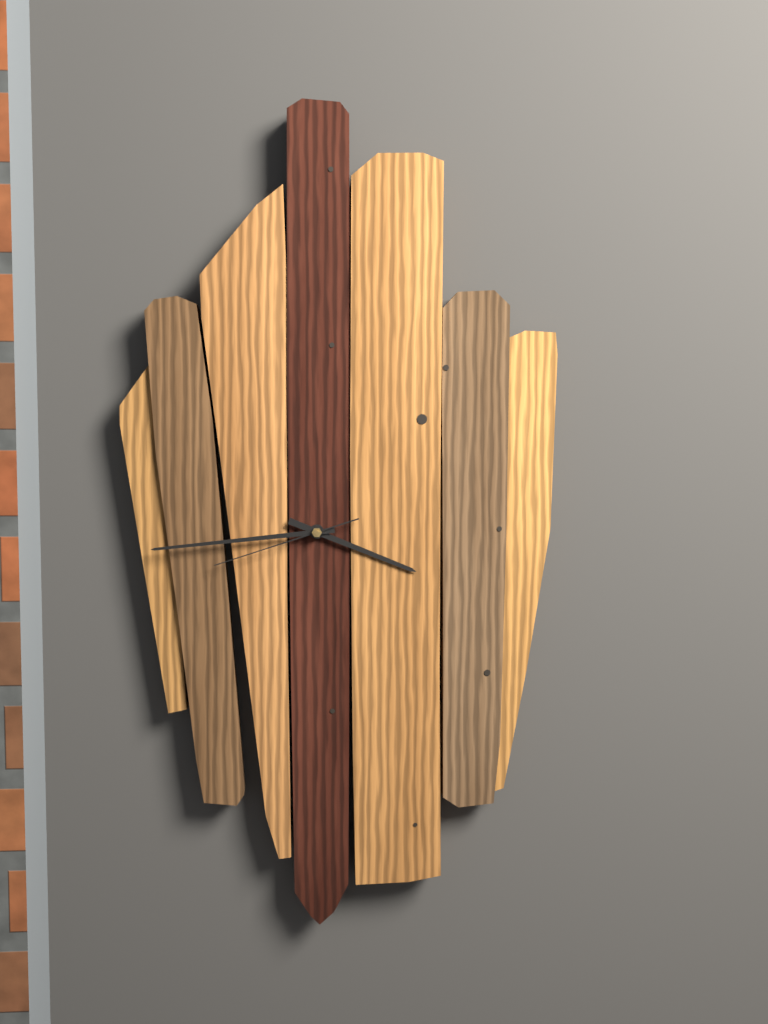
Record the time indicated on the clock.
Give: 3:44:42
